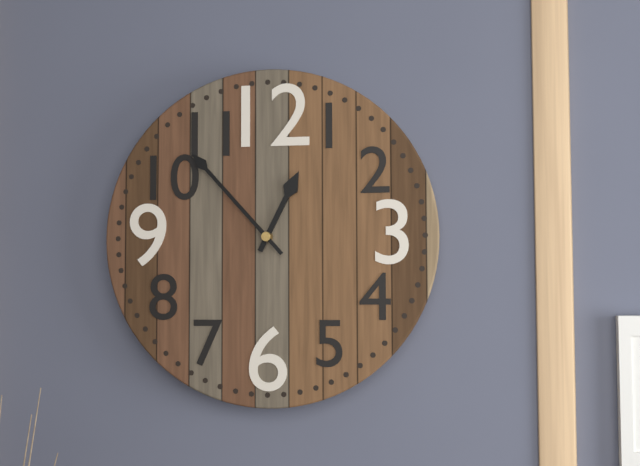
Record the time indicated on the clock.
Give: 12:53
